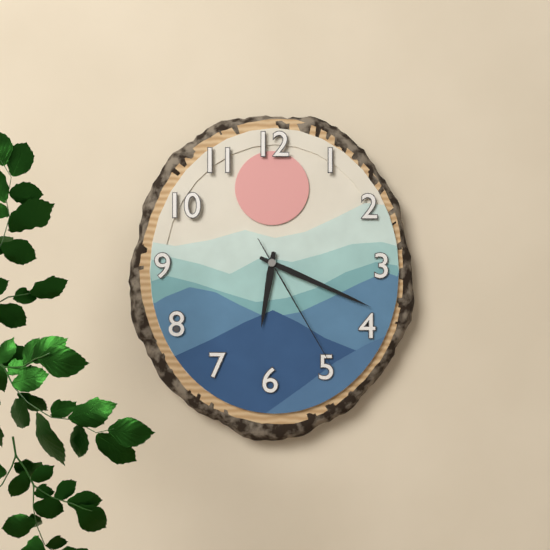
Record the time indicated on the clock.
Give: 6:19:25
